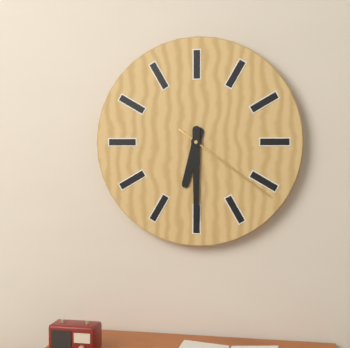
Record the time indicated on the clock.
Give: 6:30:21
